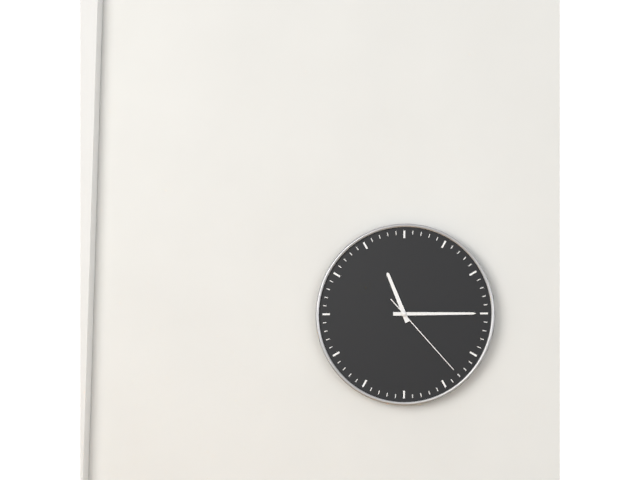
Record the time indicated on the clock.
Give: 11:15:23
